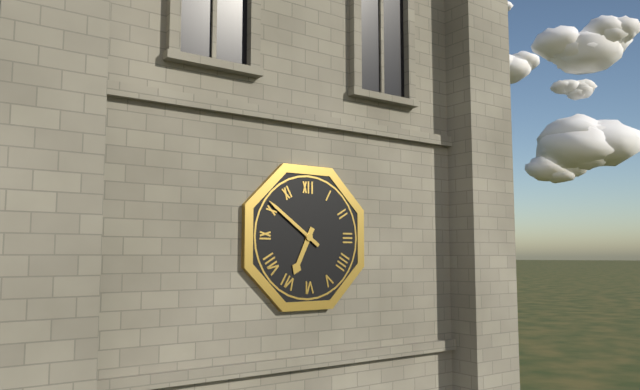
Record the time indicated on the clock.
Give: 6:51
